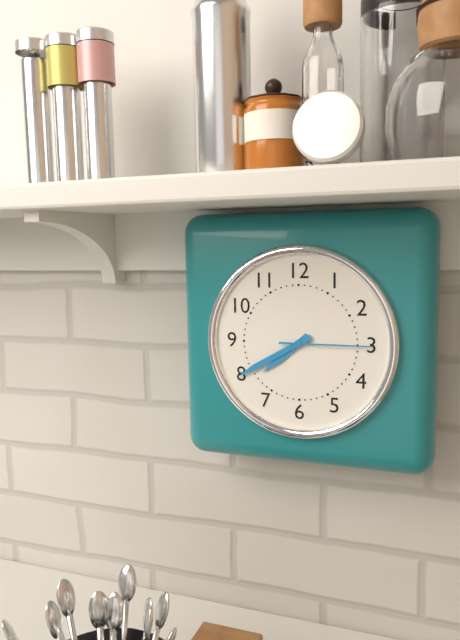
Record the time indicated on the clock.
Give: 7:40:15
